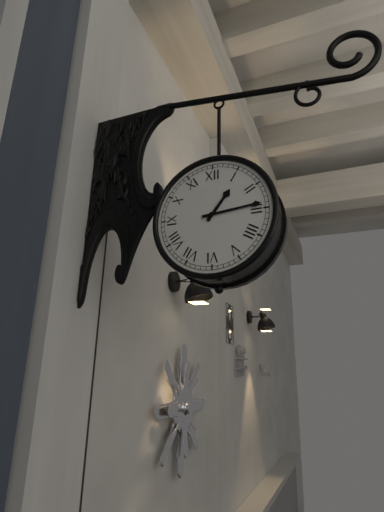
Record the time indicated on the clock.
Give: 1:14
